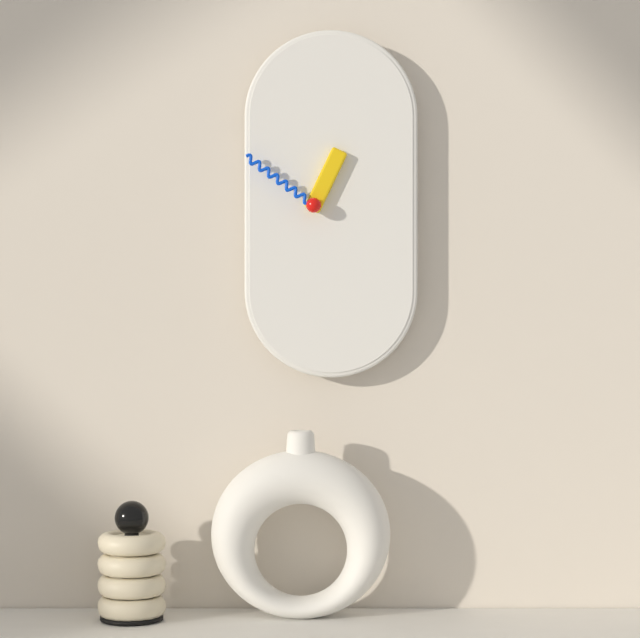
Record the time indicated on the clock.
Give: 12:51
